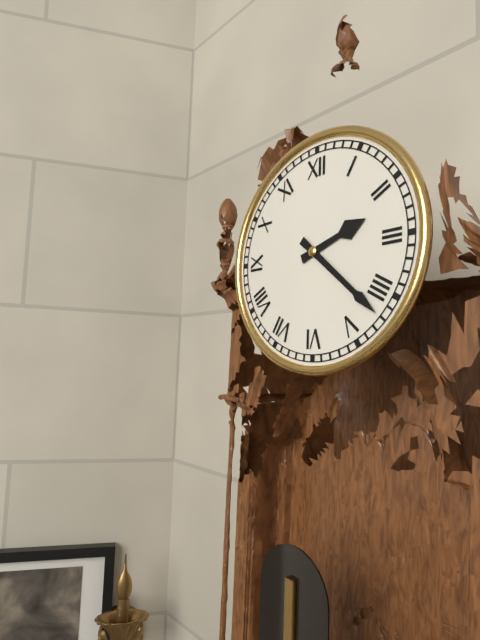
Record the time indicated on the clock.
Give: 2:22
